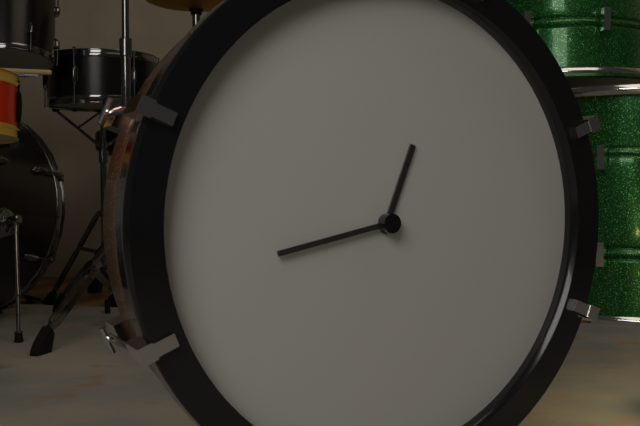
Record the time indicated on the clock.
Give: 12:43
